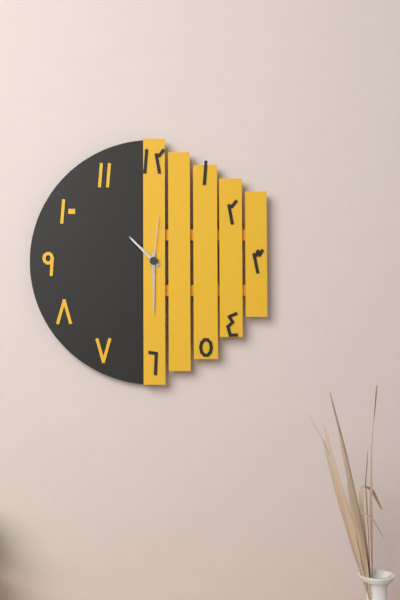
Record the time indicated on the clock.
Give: 10:30:01
